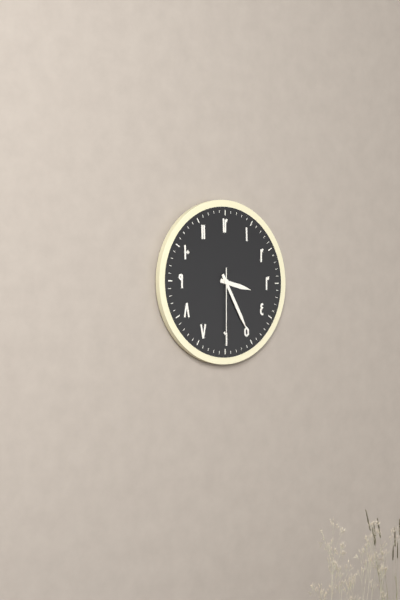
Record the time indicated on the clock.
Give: 3:25:30
